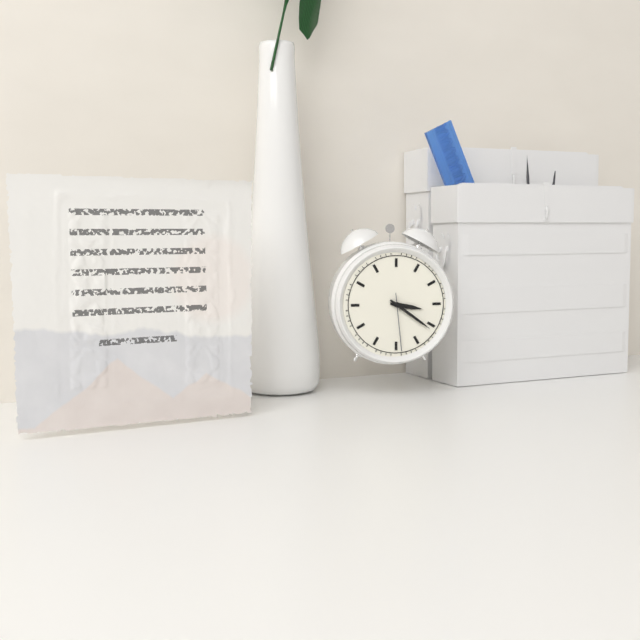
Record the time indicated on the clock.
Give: 3:21:29
